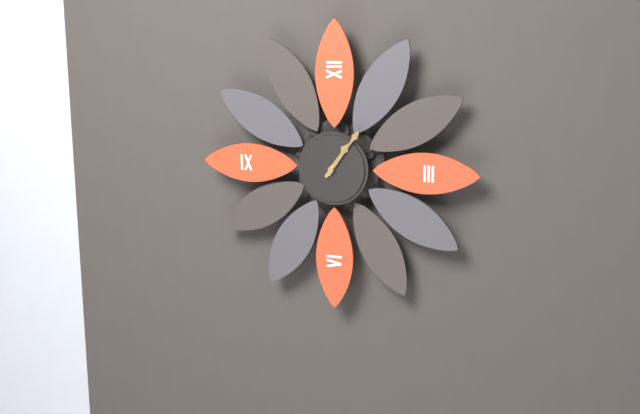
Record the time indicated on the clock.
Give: 1:06
